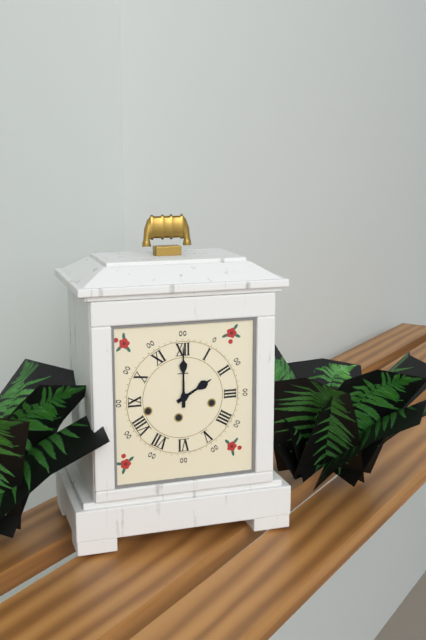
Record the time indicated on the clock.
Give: 2:00
